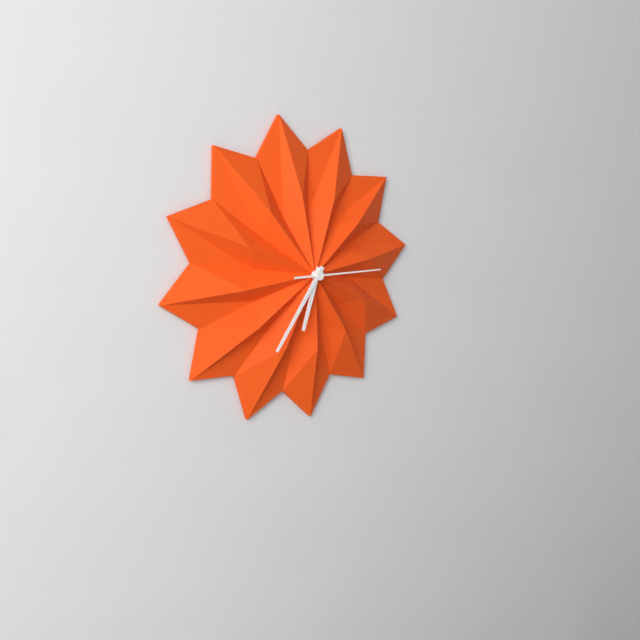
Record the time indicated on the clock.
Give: 6:36:15
